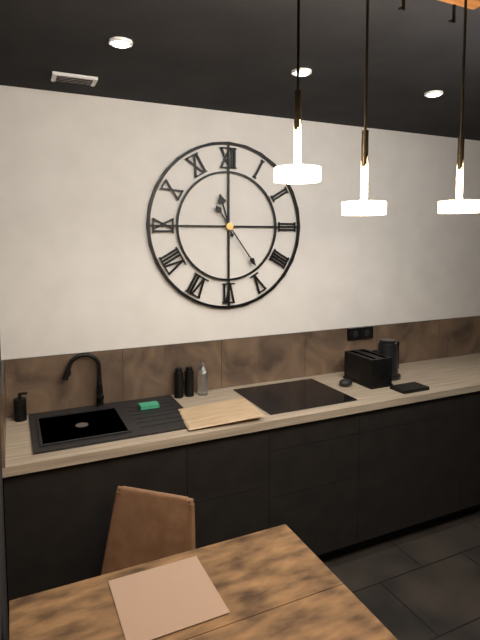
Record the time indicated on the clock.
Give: 11:24
